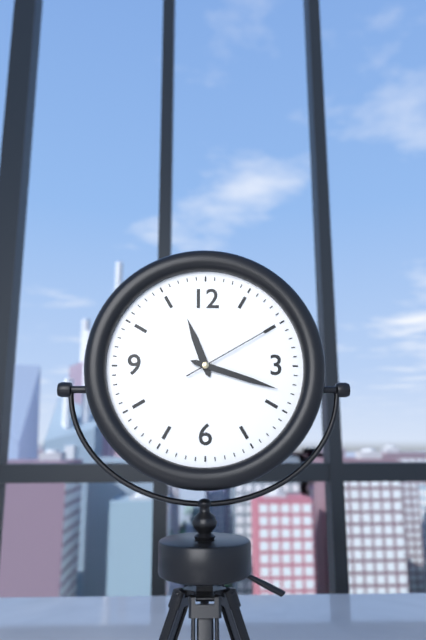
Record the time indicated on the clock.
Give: 11:18:10
